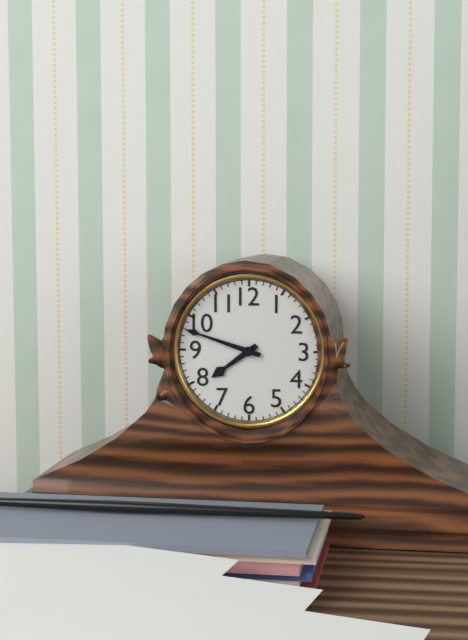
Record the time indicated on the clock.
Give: 7:48
